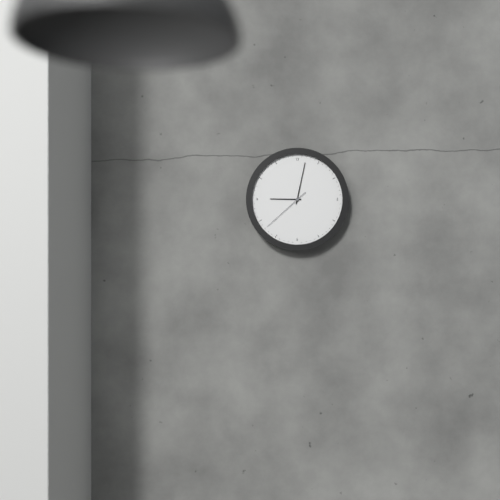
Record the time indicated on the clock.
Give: 9:02:38
